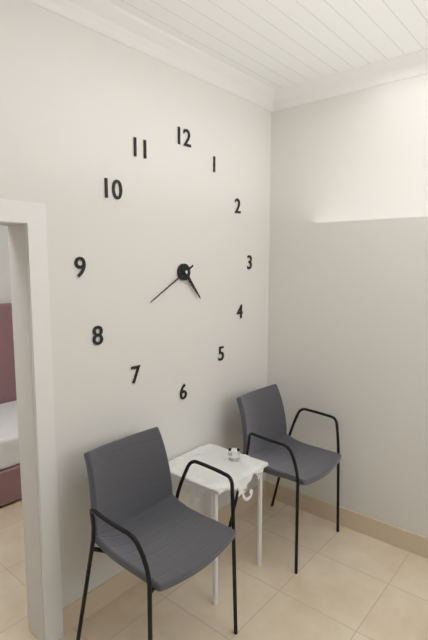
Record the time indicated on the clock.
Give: 4:40
